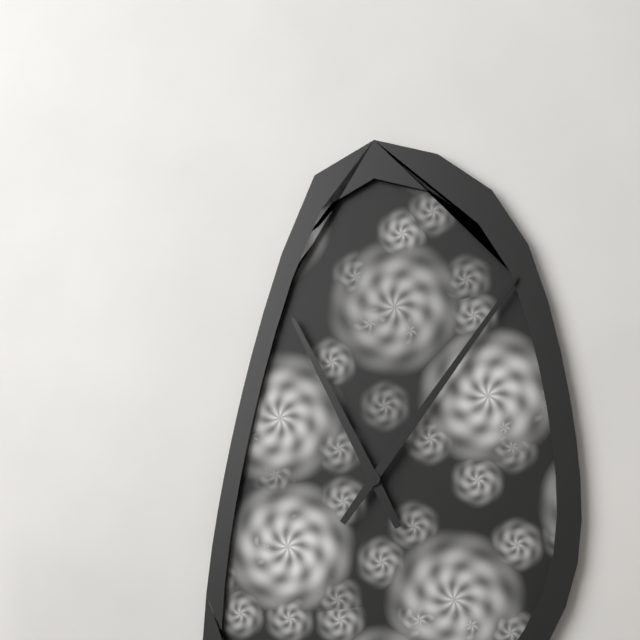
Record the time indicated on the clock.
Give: 11:06
